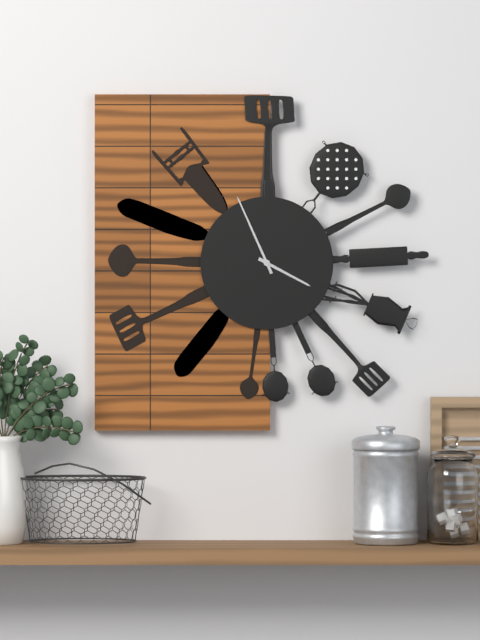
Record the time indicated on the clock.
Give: 3:56
